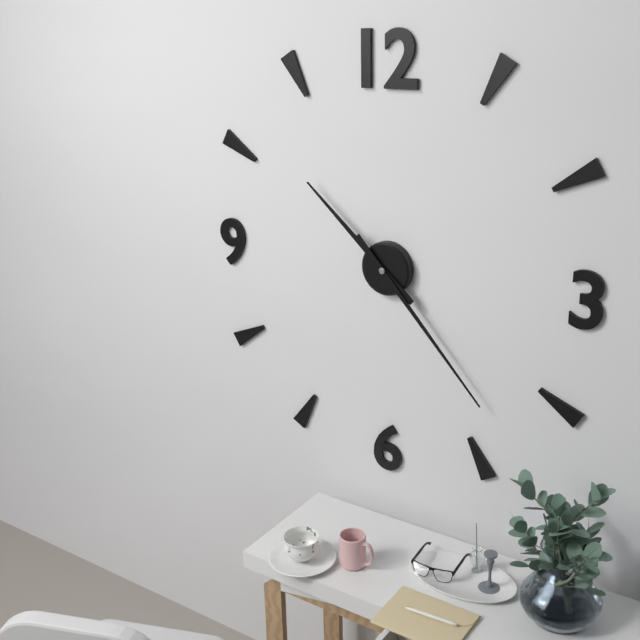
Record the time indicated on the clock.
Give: 10:23
